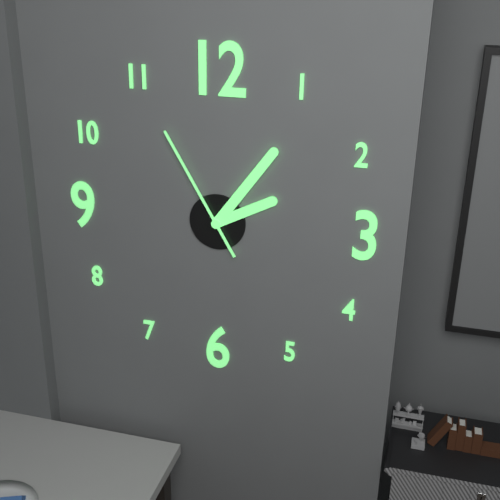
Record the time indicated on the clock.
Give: 2:06:55
